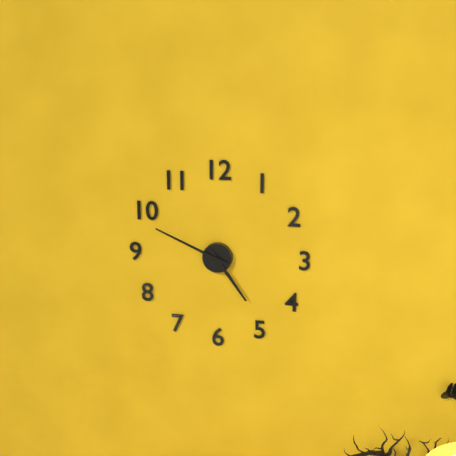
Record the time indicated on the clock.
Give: 4:49
